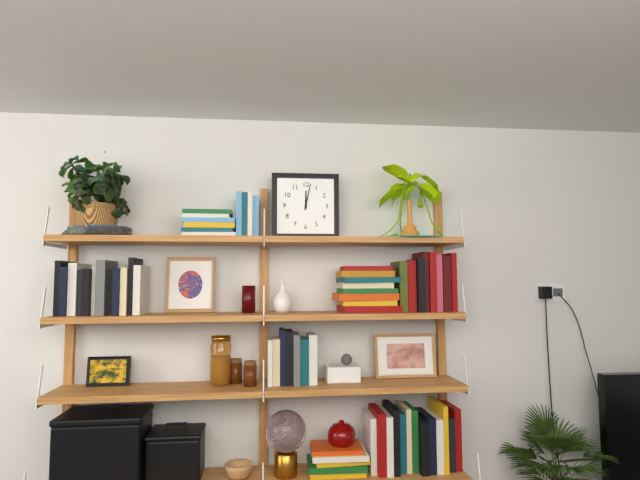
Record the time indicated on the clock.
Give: 12:02
